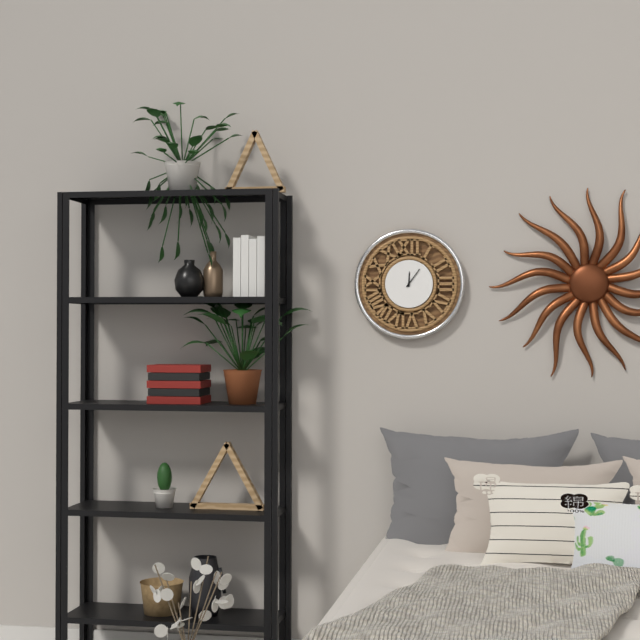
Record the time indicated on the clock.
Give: 12:06
